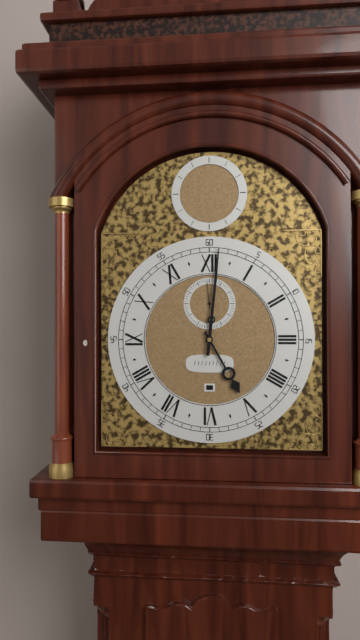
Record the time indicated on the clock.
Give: 5:01
